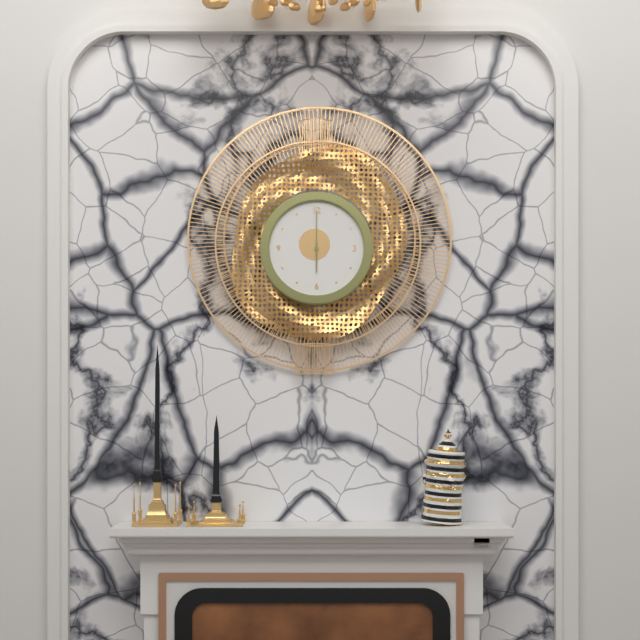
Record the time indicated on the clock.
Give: 6:00
